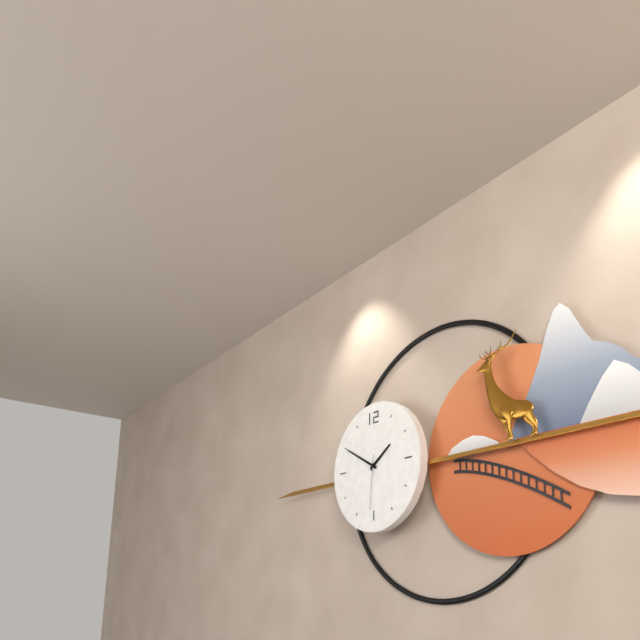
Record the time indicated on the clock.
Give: 1:50:31
